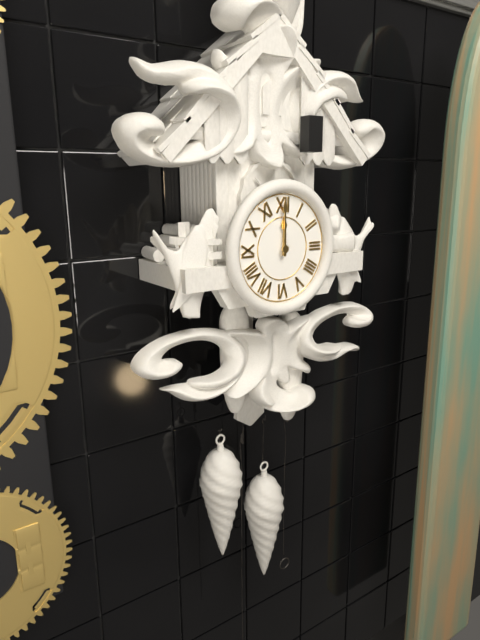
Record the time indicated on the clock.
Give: 12:00
